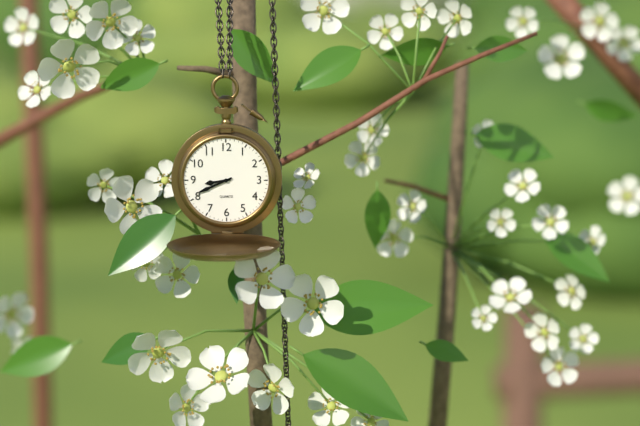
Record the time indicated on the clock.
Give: 8:41
